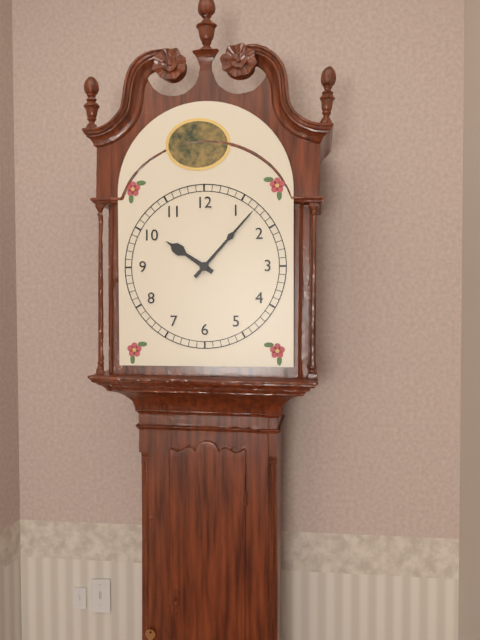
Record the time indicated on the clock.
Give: 10:07
